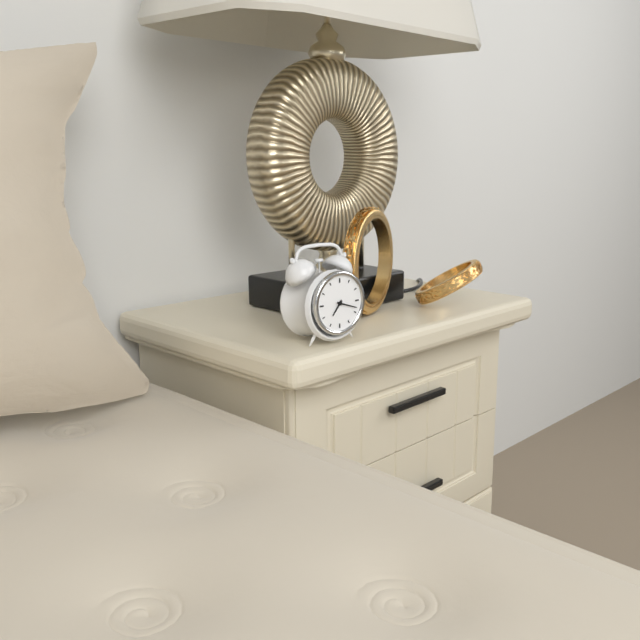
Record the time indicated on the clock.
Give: 7:18
